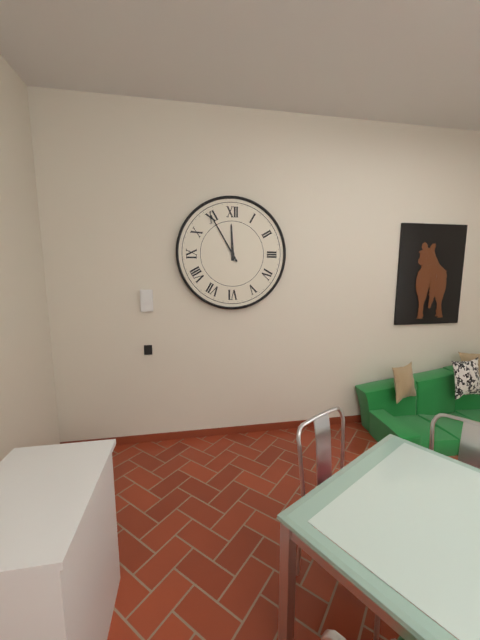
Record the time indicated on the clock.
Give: 11:55
